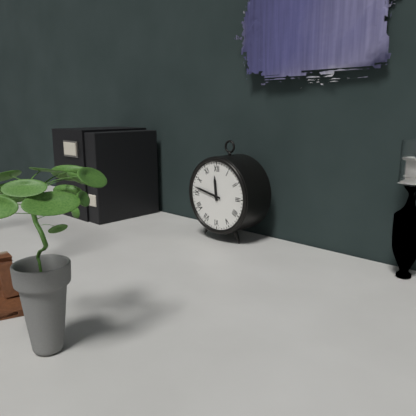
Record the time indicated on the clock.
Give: 11:47
